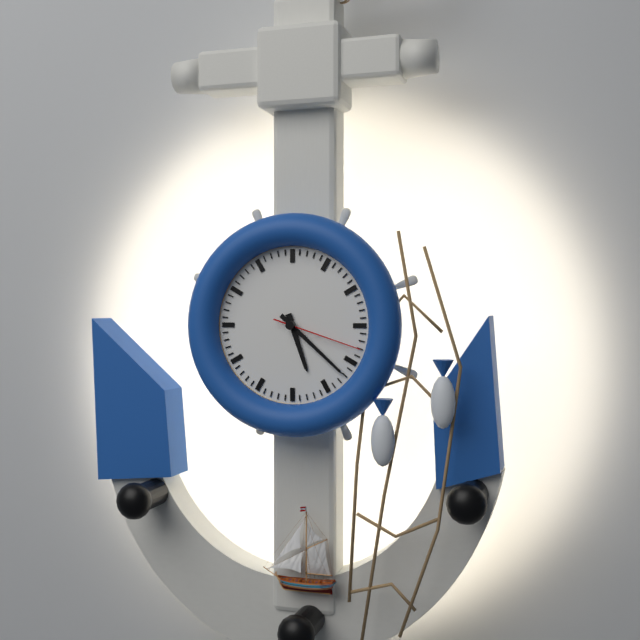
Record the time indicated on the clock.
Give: 5:22:18
